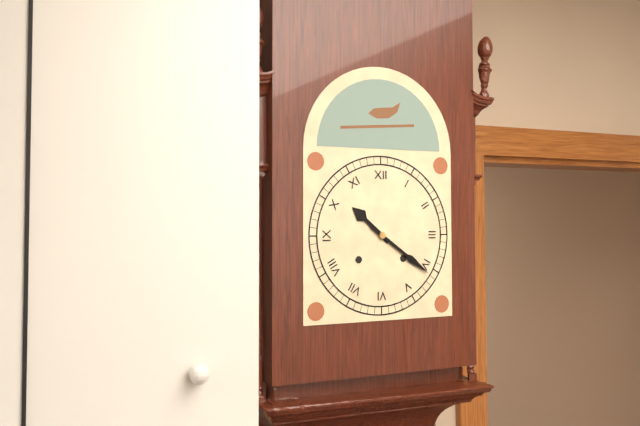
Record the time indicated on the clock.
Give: 10:21
